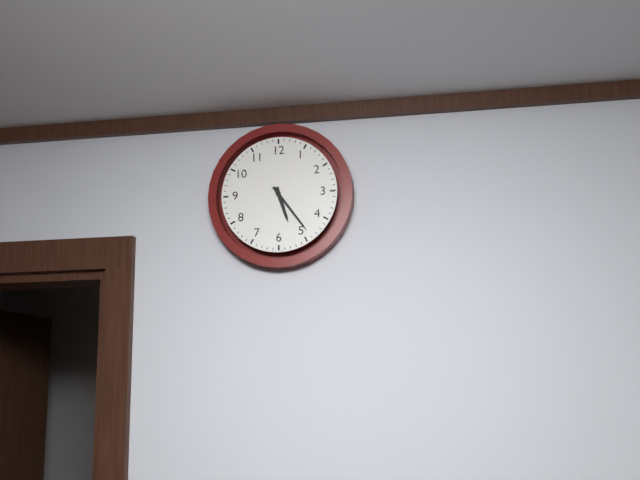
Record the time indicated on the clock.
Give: 5:24
